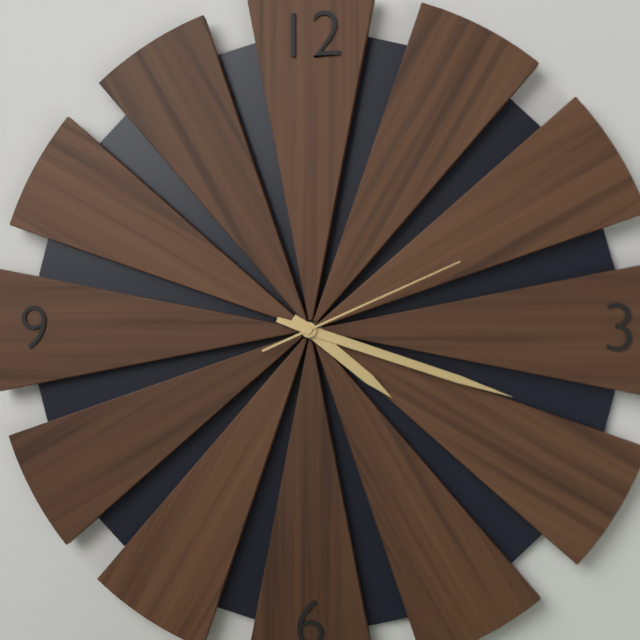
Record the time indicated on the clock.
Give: 4:18:11
